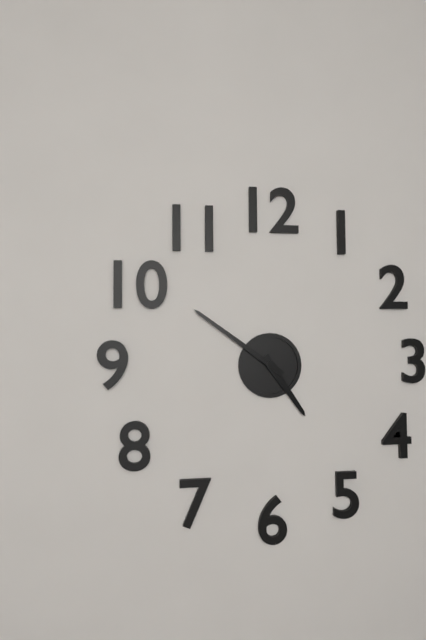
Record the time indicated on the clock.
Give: 4:51
